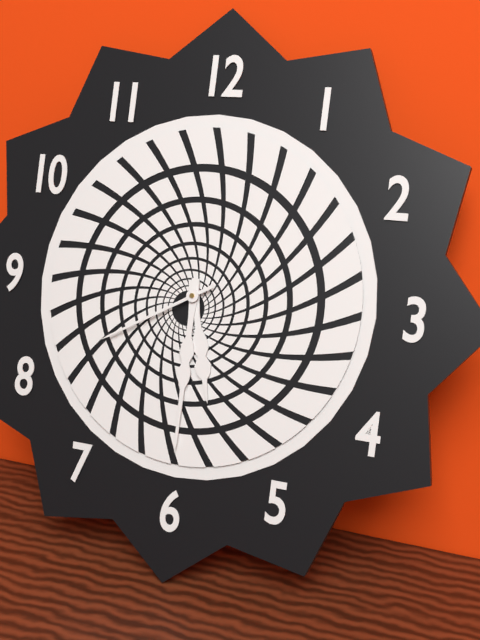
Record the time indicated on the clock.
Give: 5:30:40
